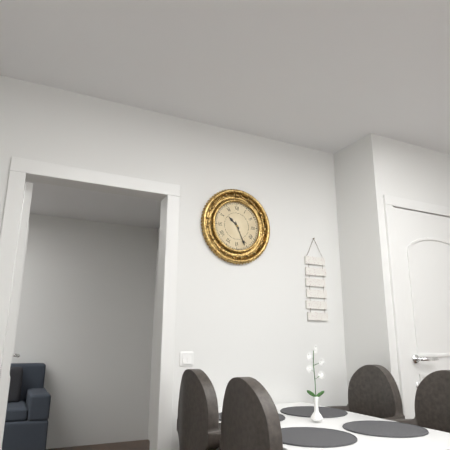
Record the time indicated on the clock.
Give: 10:26
